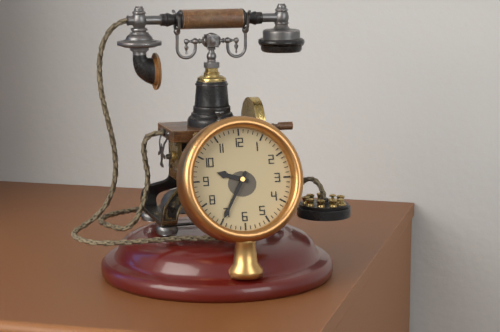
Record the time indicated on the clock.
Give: 9:35
